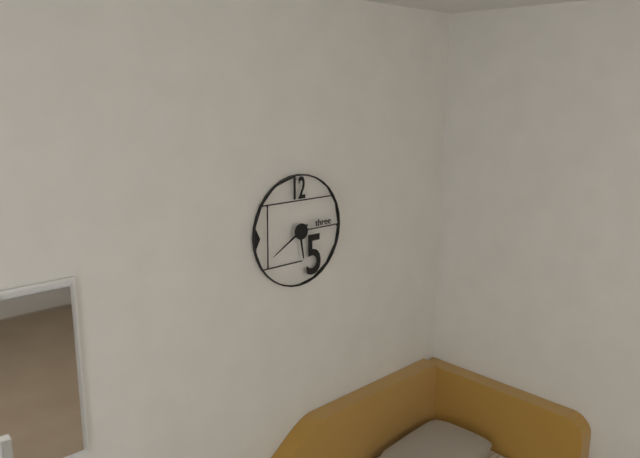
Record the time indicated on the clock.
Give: 5:40
